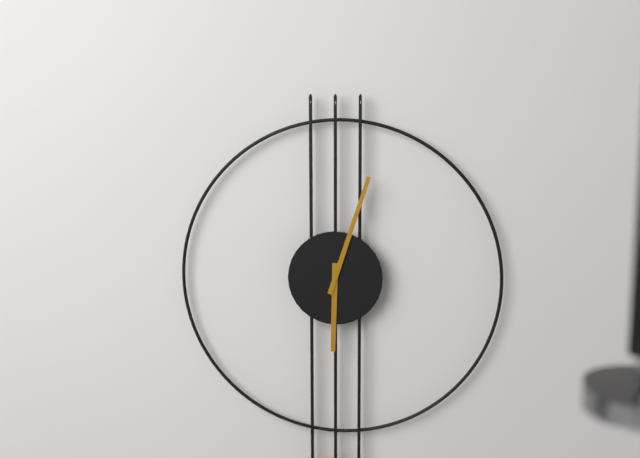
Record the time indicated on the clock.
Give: 6:03
